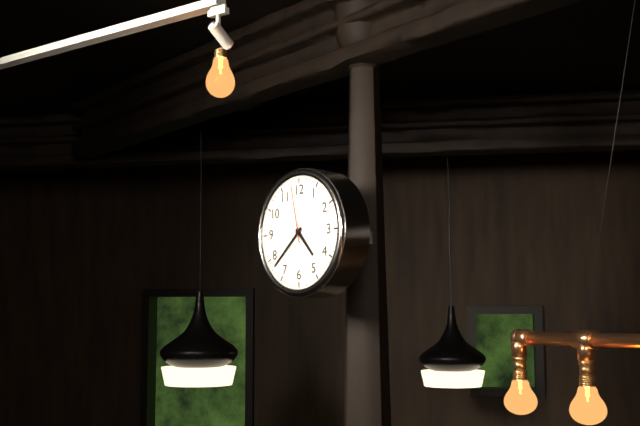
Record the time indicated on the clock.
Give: 4:38:58
